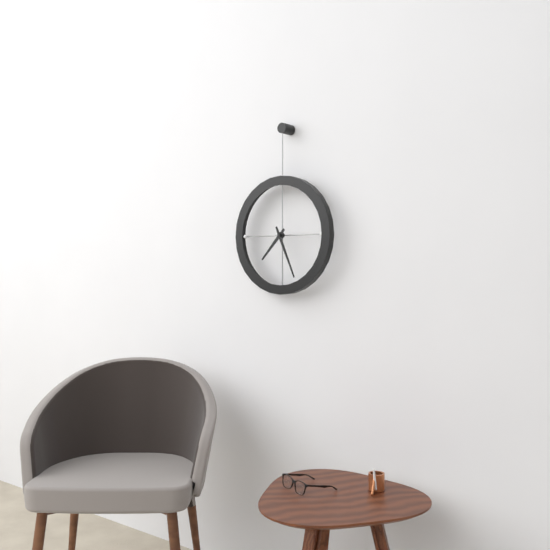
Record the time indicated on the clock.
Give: 7:26
